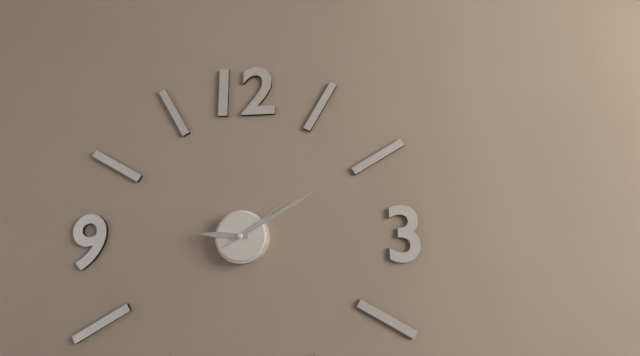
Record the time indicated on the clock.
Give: 9:10:09
